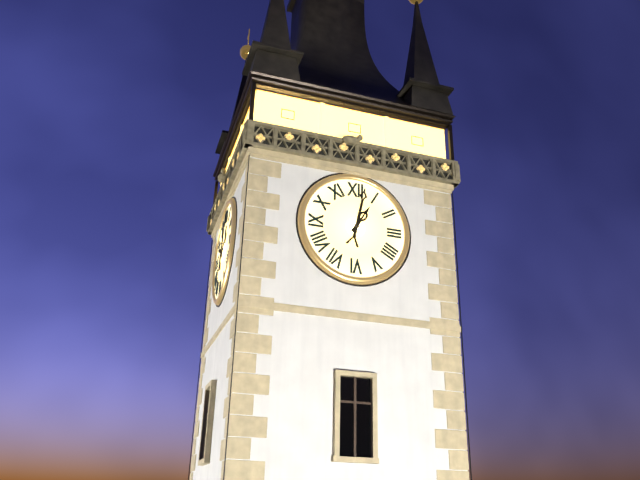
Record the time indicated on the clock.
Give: 1:02
